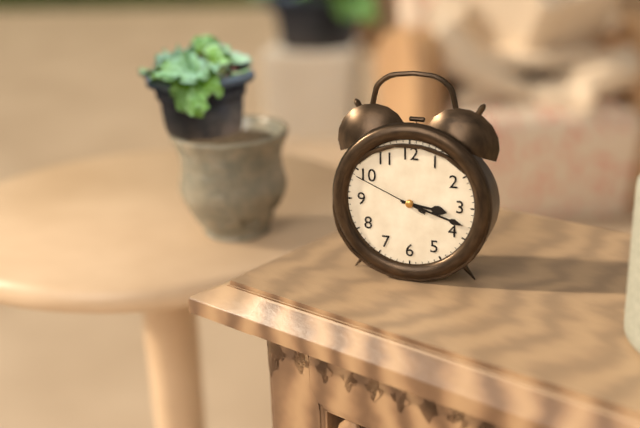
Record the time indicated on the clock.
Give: 3:18:49
